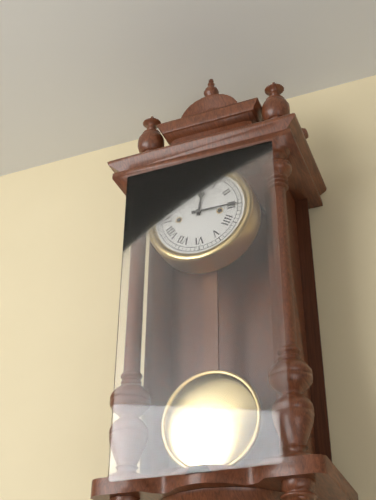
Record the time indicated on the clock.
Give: 12:15
